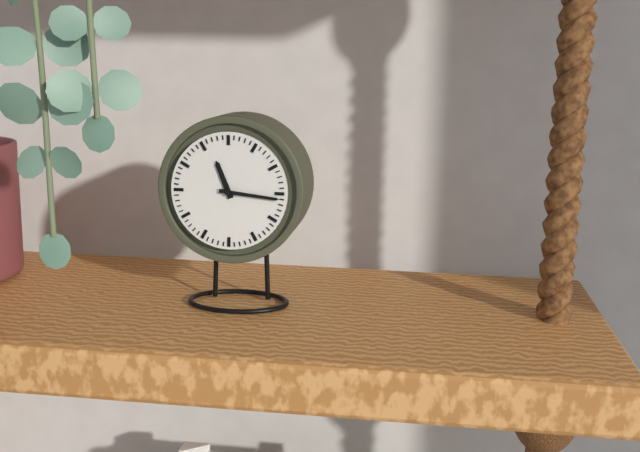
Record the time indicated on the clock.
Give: 11:16
